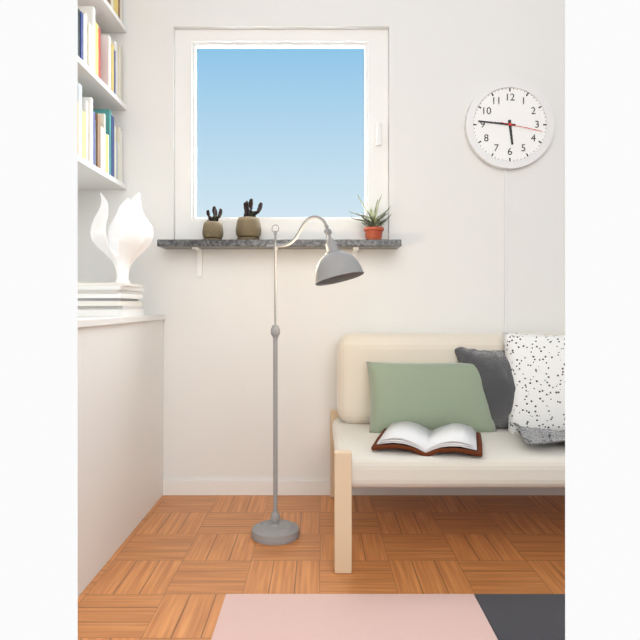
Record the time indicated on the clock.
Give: 5:46
